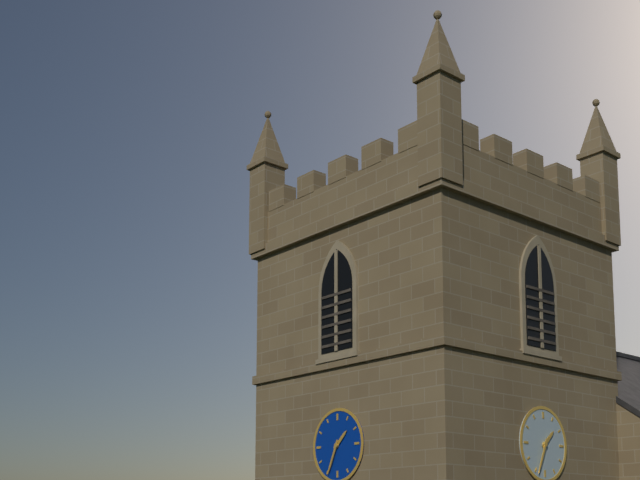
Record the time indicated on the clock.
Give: 1:34
